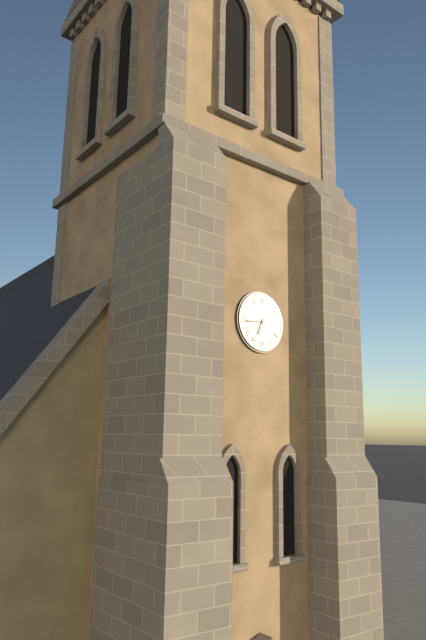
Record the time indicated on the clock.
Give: 6:44
